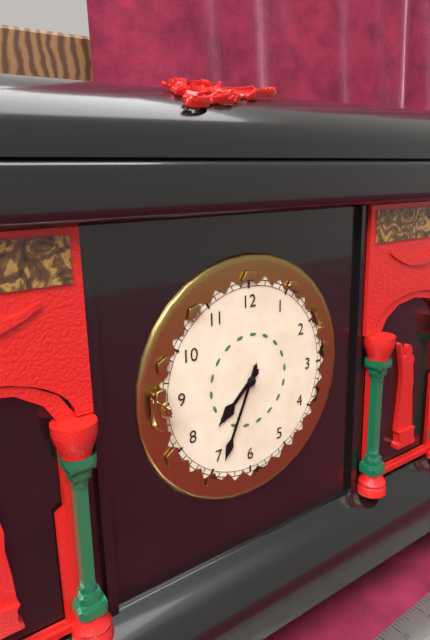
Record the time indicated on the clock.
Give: 7:34
